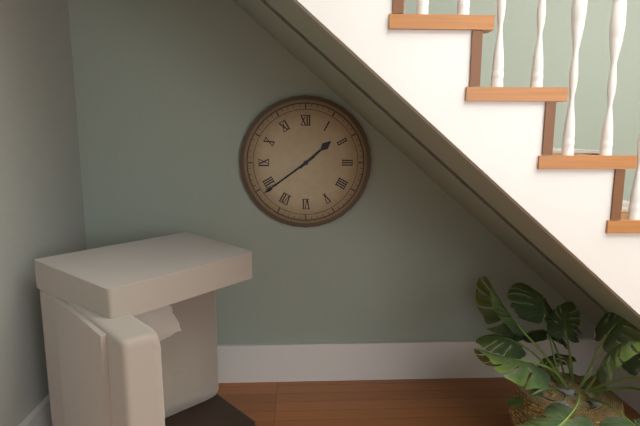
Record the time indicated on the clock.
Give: 1:39
